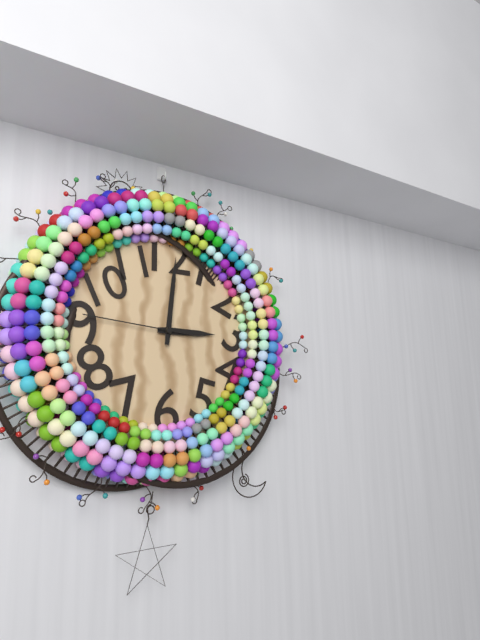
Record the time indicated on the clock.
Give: 3:01:46
